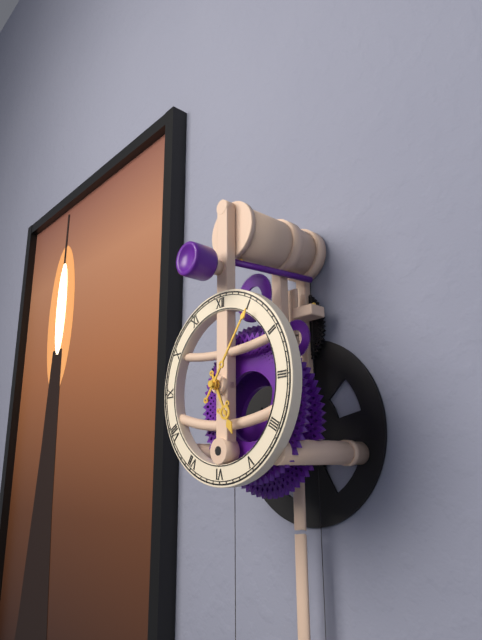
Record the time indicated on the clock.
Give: 5:06
